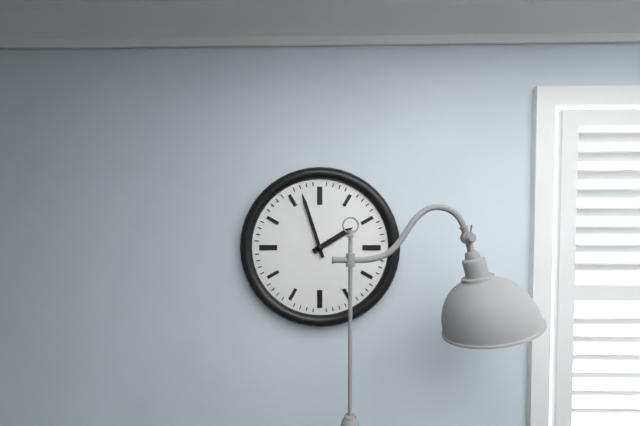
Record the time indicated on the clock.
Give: 1:57
